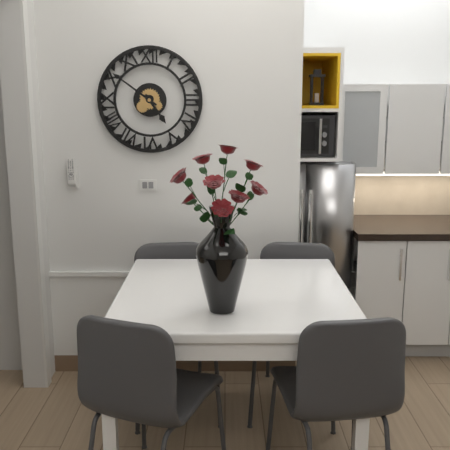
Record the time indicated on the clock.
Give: 4:51
